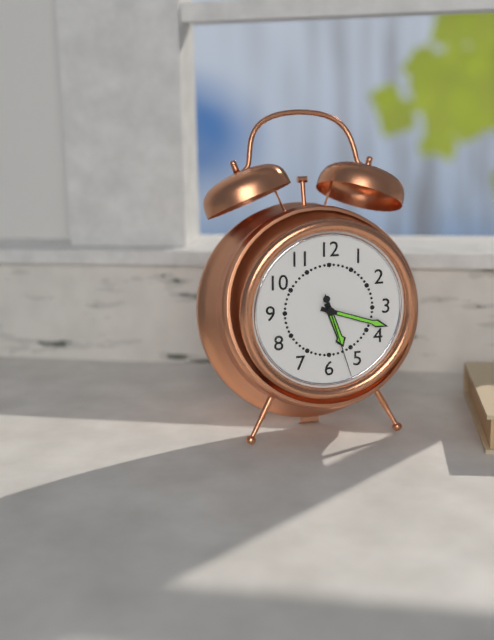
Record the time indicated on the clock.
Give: 5:18:27
